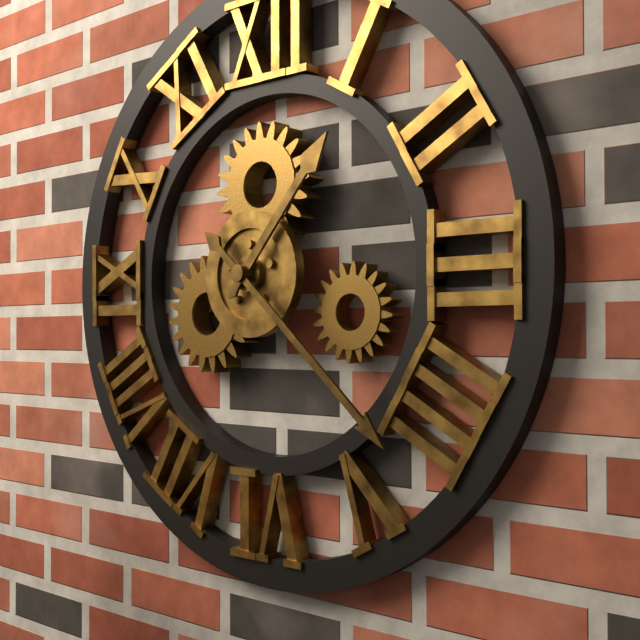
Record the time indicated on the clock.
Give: 1:22
